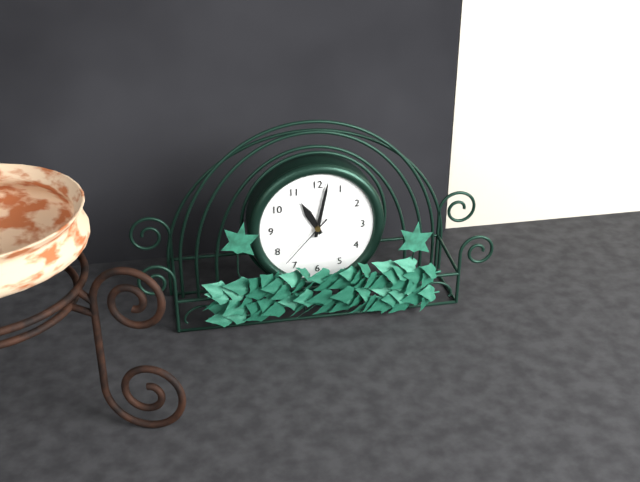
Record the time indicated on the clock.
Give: 11:02:37
